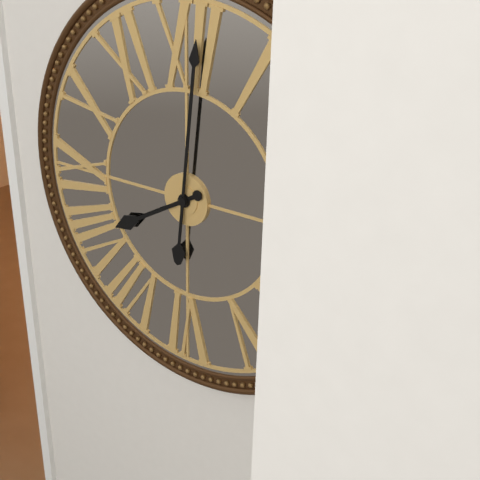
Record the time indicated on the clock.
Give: 8:01
